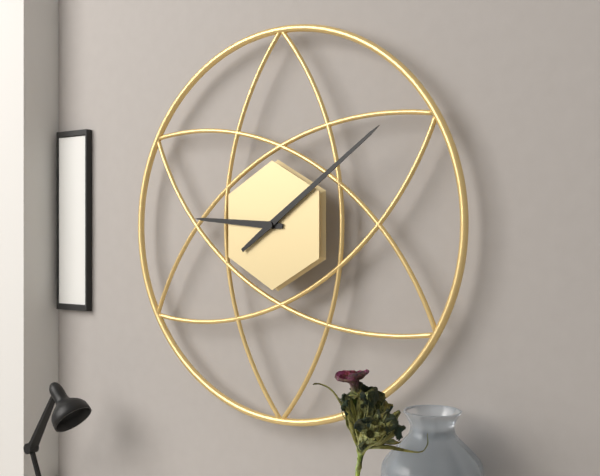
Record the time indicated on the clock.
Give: 9:09
